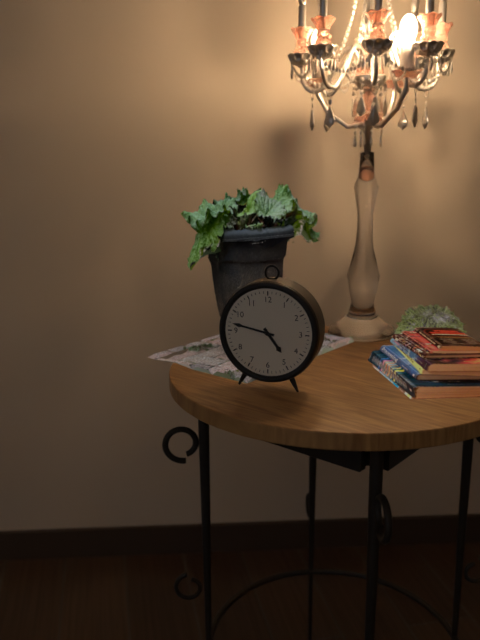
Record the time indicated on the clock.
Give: 4:47
